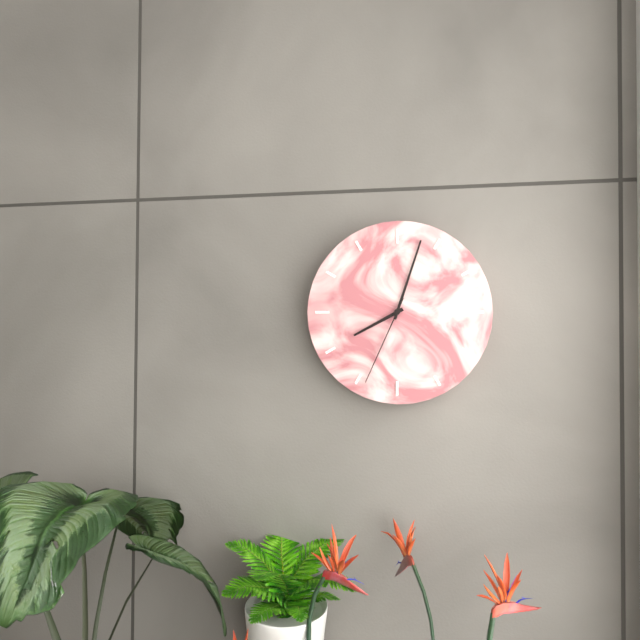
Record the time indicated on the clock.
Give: 8:03:34
